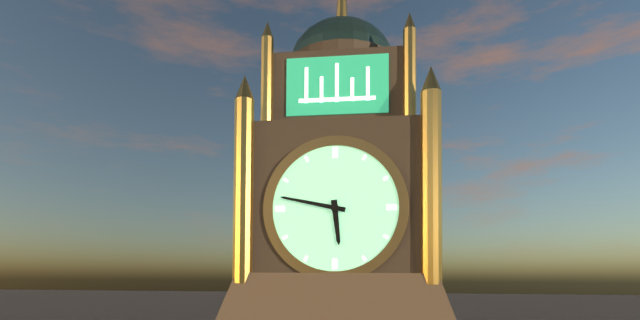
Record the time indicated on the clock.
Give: 5:47
